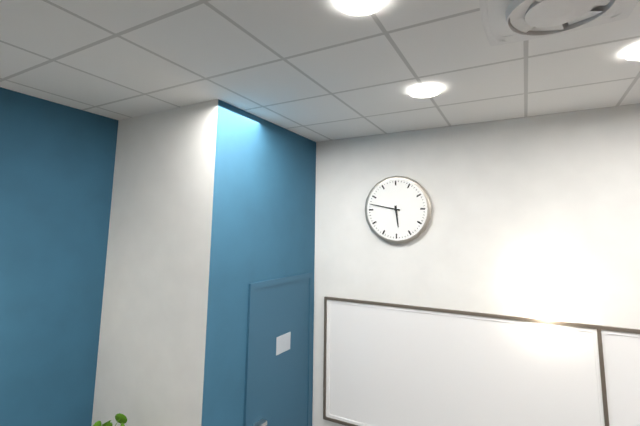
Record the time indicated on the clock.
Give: 5:47
